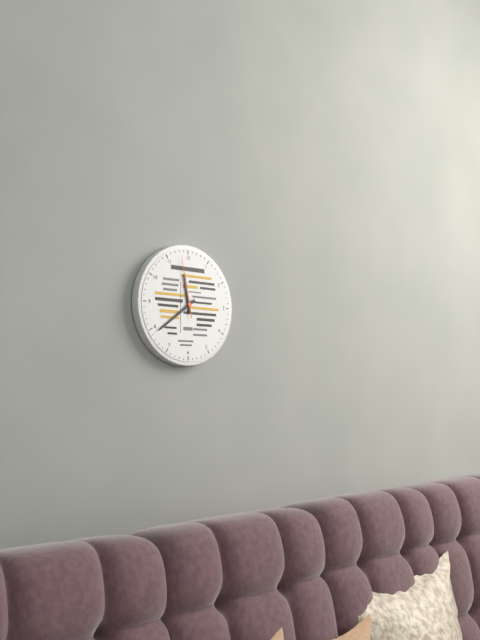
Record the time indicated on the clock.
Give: 11:39:58
